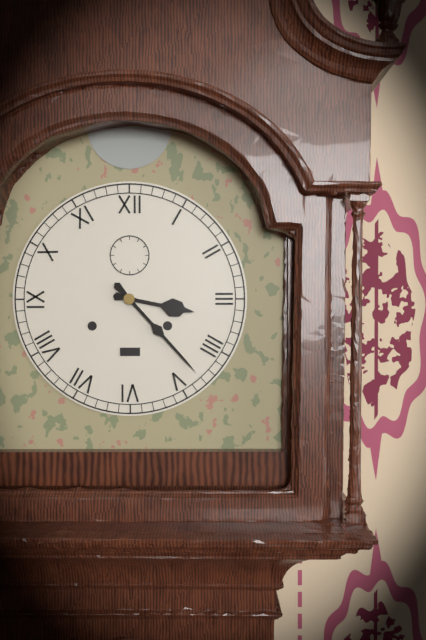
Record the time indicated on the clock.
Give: 3:23
